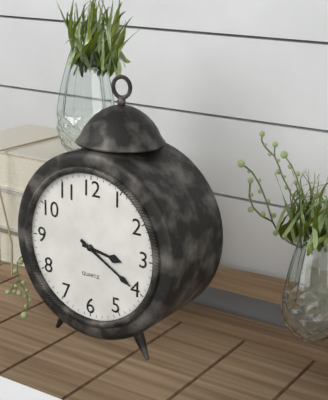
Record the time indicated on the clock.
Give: 3:20
